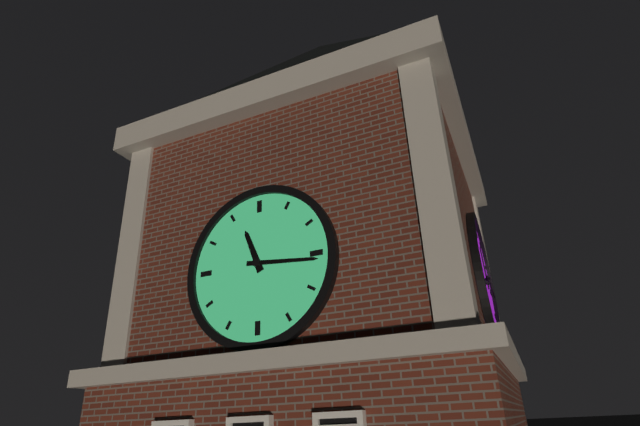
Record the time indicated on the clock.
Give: 11:16
